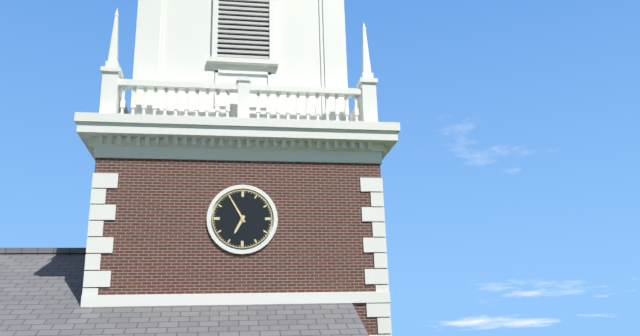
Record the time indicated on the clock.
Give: 6:55
